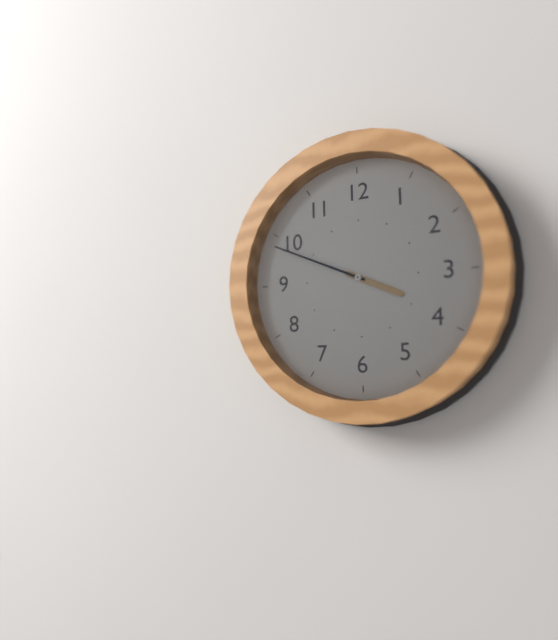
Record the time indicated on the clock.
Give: 3:49
